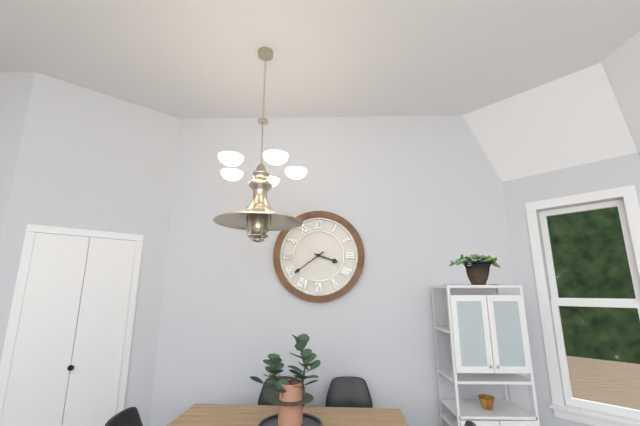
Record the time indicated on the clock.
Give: 3:39
